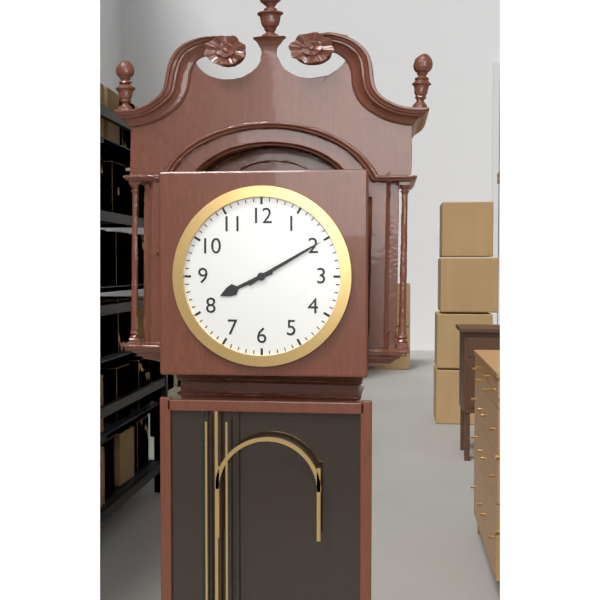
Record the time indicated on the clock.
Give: 8:10
